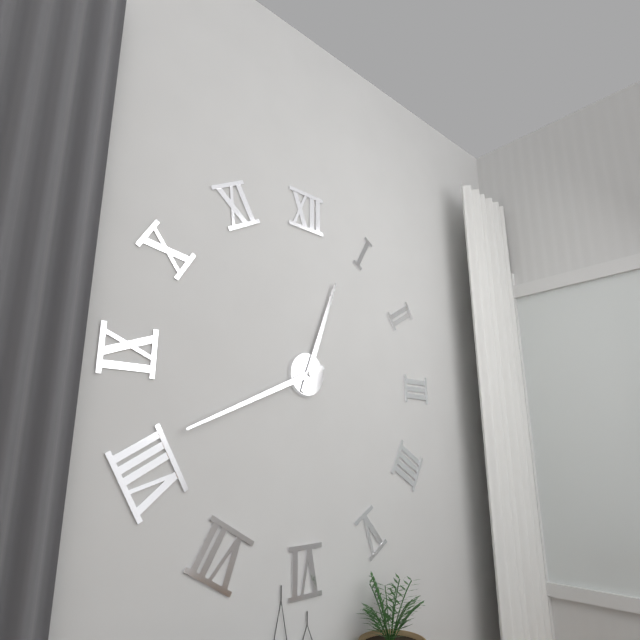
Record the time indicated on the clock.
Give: 12:41
